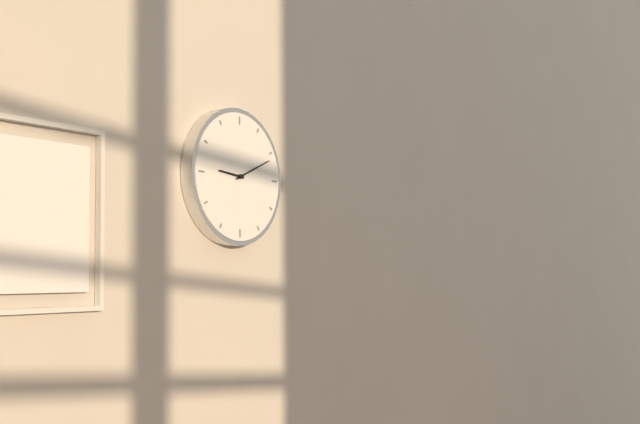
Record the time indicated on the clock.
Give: 9:11
